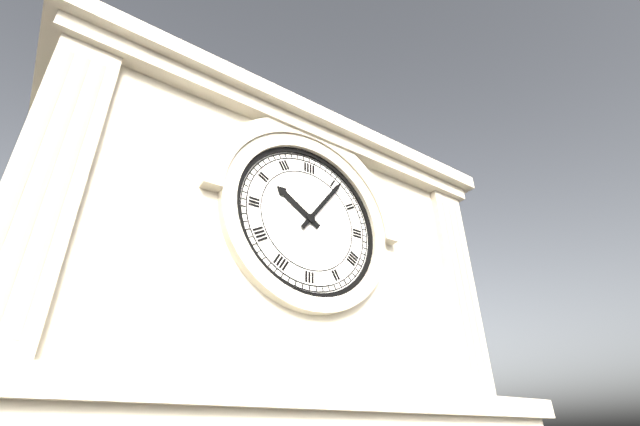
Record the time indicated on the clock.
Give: 10:06
